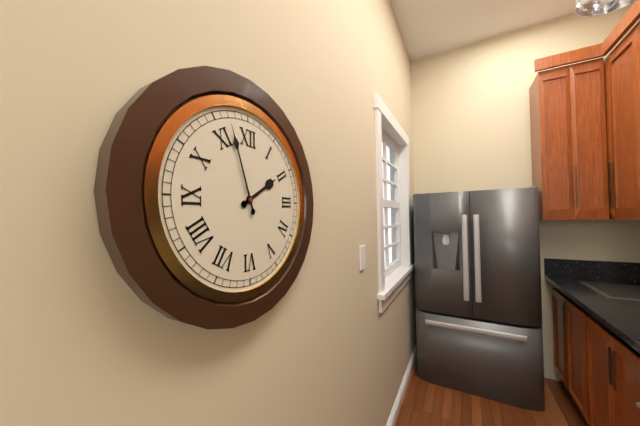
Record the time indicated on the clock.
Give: 1:57
